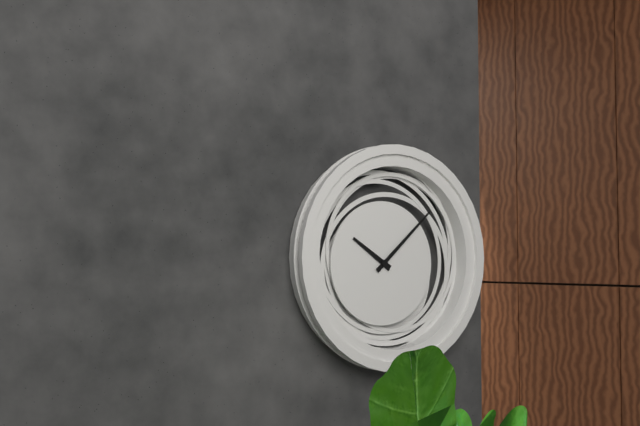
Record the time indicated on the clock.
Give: 10:08
